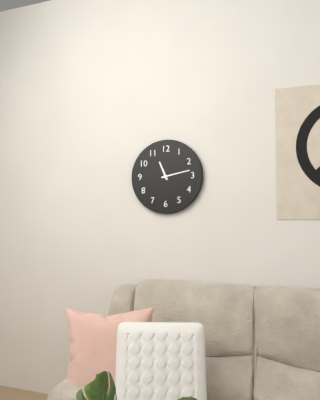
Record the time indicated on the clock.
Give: 11:13
